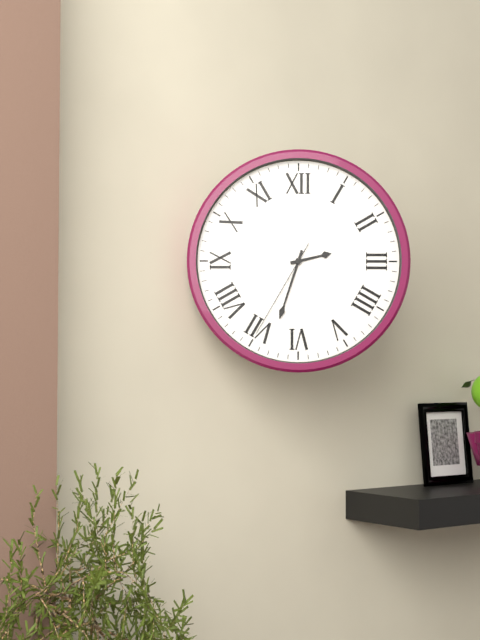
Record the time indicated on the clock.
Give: 2:33:35
